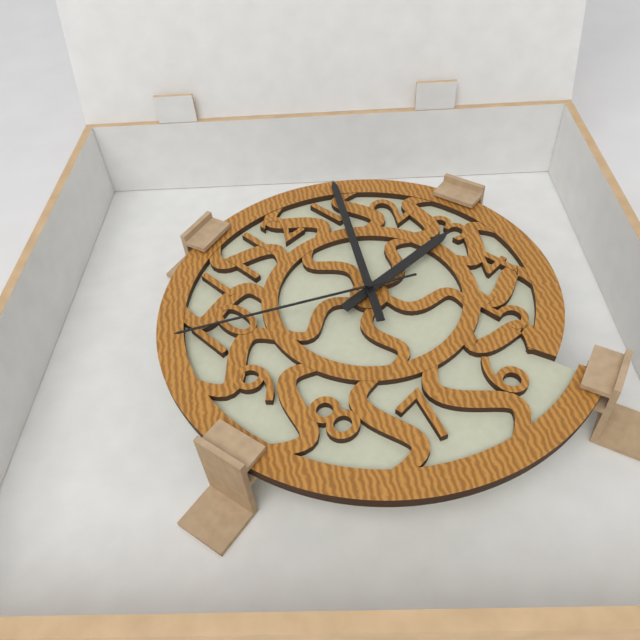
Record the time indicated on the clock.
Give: 3:06:50
